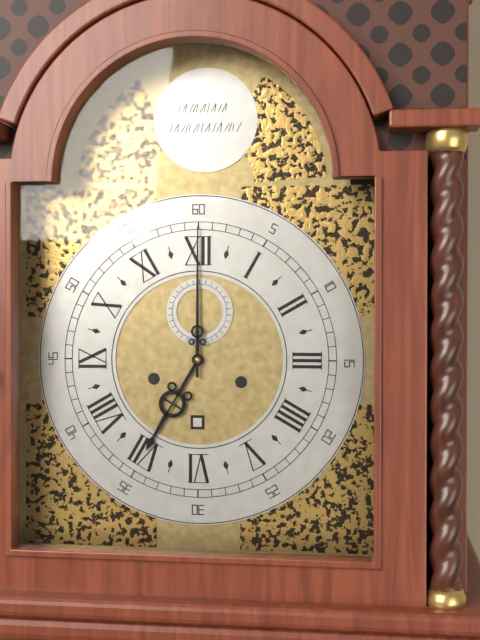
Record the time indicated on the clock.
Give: 7:00
